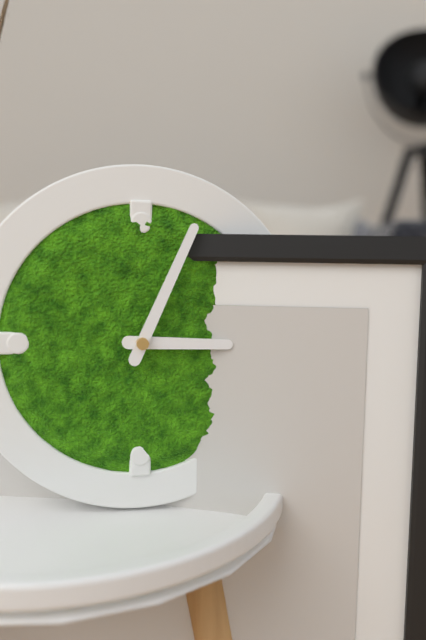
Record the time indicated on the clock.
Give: 3:04
